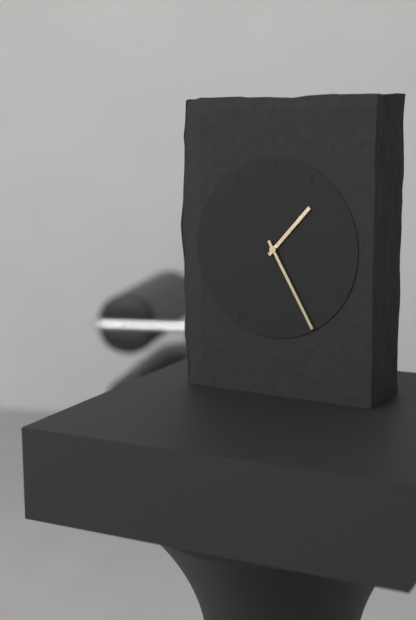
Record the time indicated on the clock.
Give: 1:25
